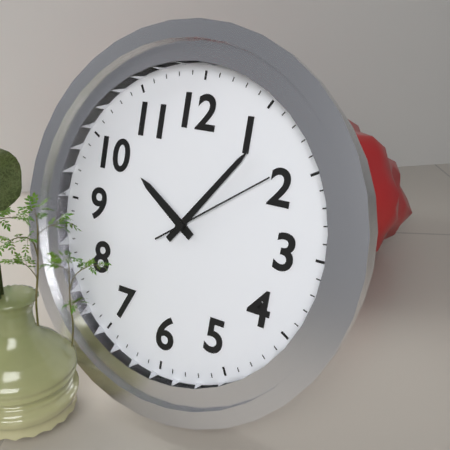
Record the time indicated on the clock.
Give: 10:06:09
